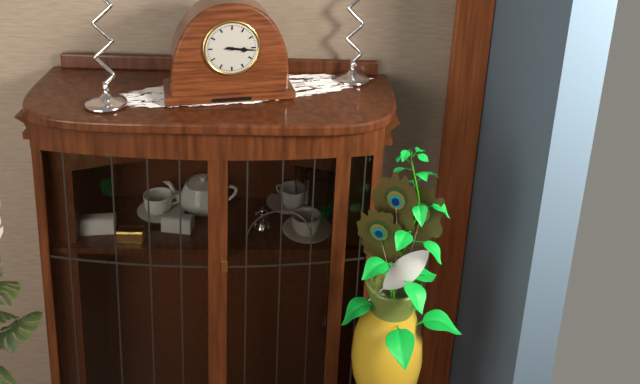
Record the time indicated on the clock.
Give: 3:16
